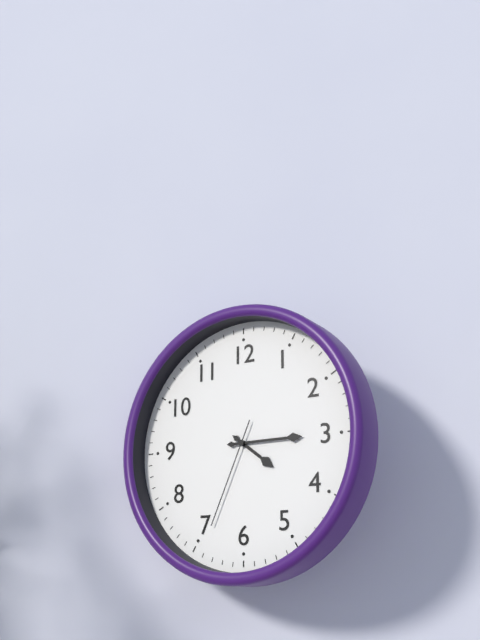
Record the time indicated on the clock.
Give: 4:15:34
